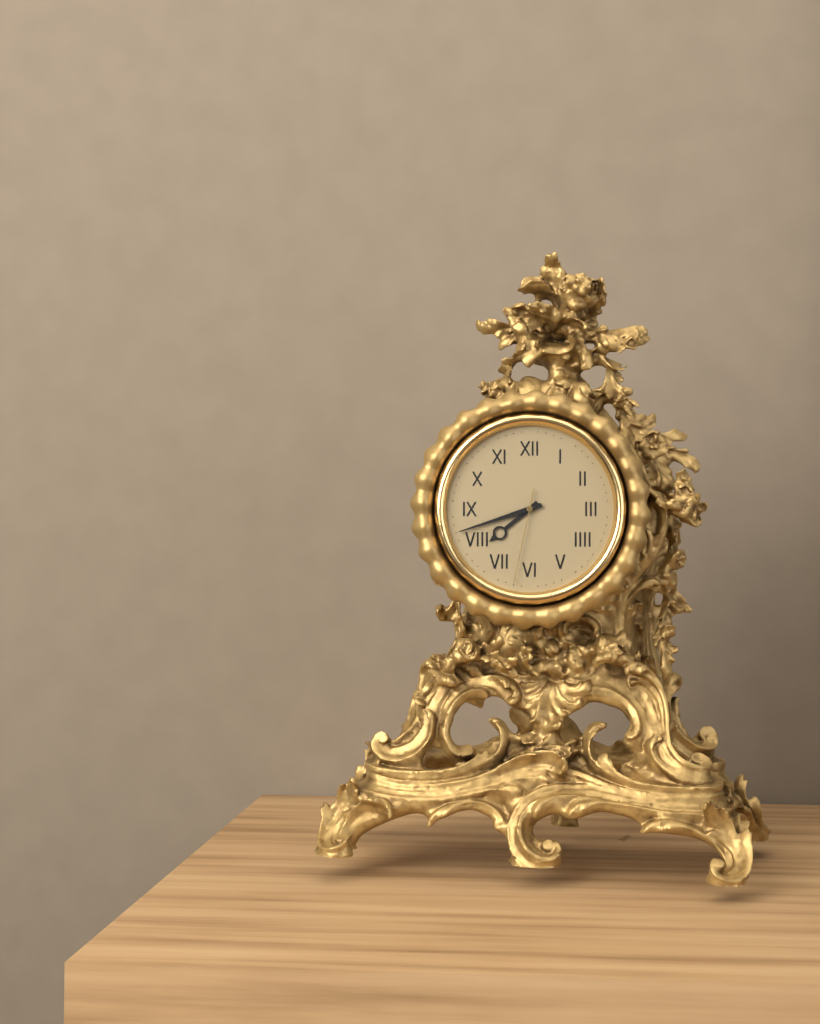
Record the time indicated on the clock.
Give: 7:42:32
